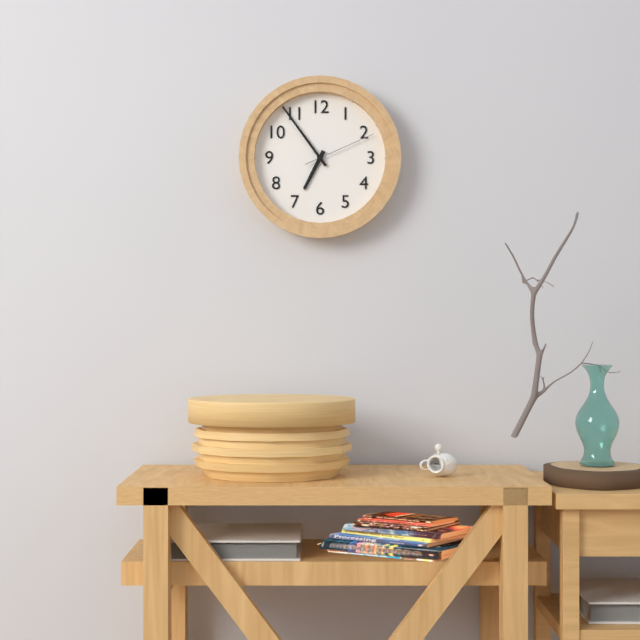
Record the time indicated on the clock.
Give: 6:54:11
